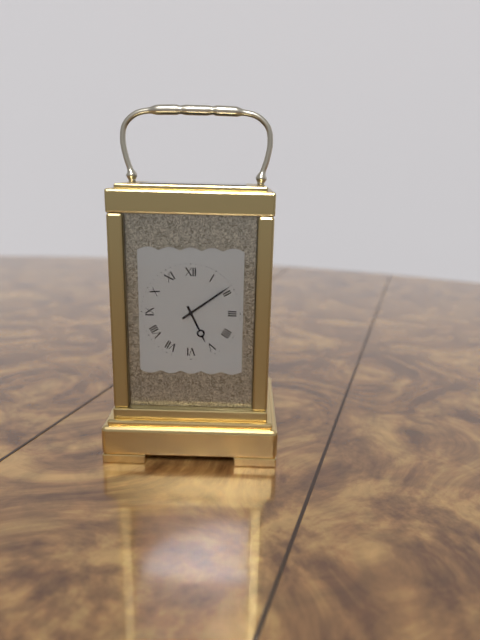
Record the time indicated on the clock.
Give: 5:09
